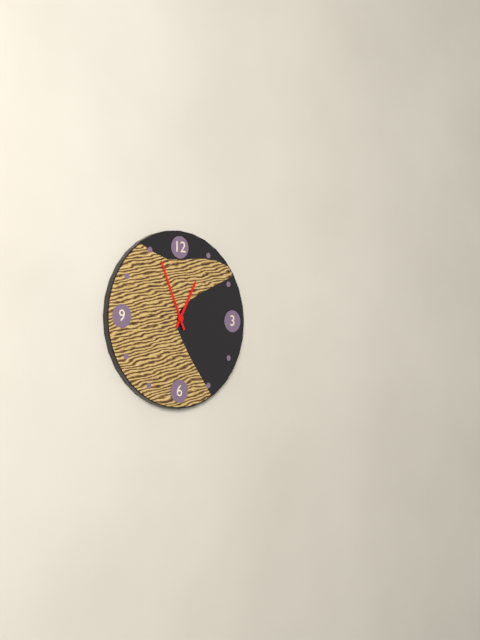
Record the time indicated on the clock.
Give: 12:56
